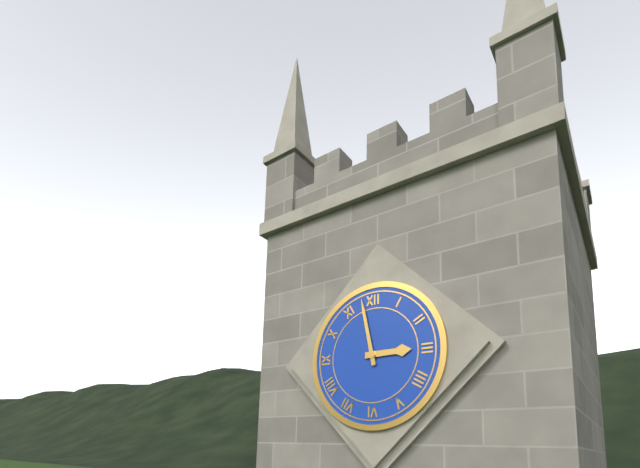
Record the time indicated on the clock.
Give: 2:58
